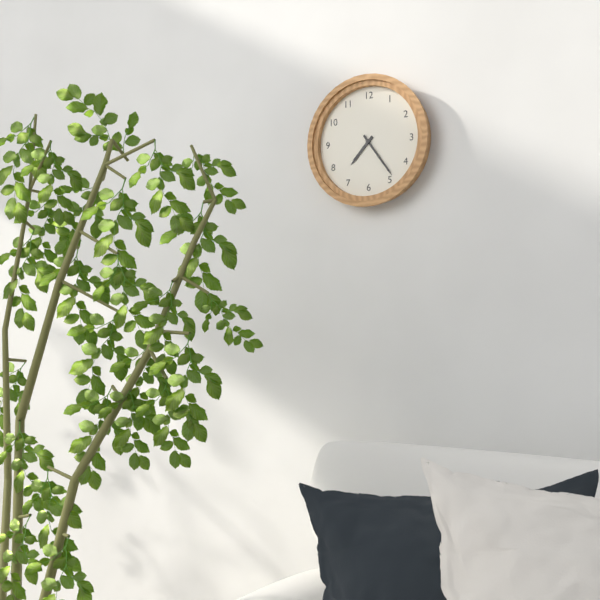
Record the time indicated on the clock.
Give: 7:24
